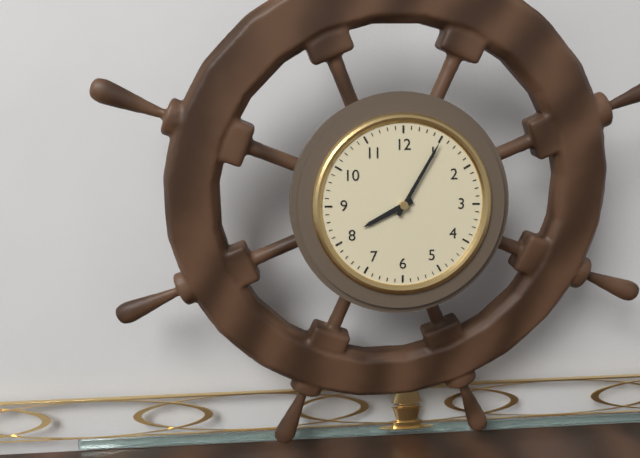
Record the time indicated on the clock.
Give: 8:05
